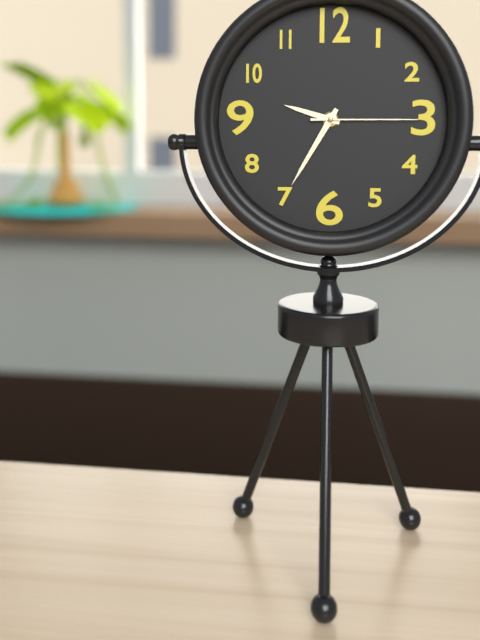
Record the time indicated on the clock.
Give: 9:35:15
